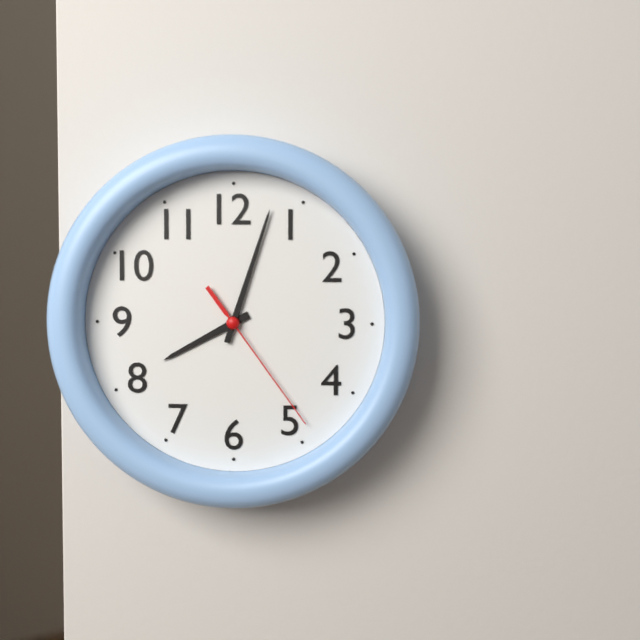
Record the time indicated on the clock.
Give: 8:03:24
